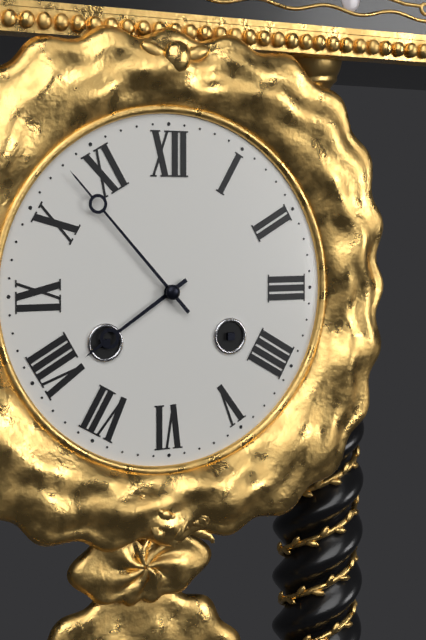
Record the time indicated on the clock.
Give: 7:53
